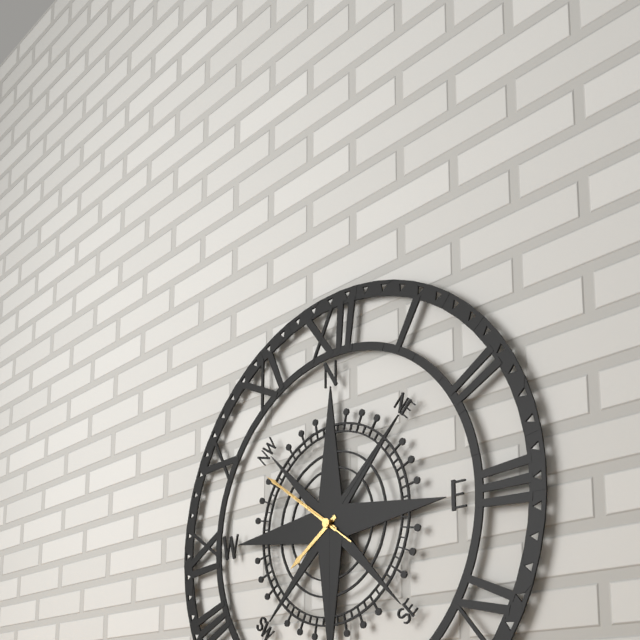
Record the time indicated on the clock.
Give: 7:51:51
